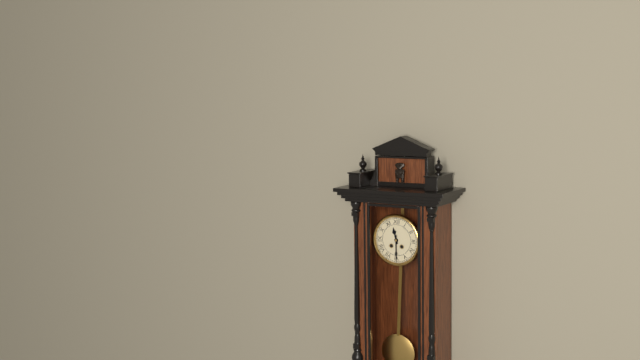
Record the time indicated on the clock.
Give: 11:30
